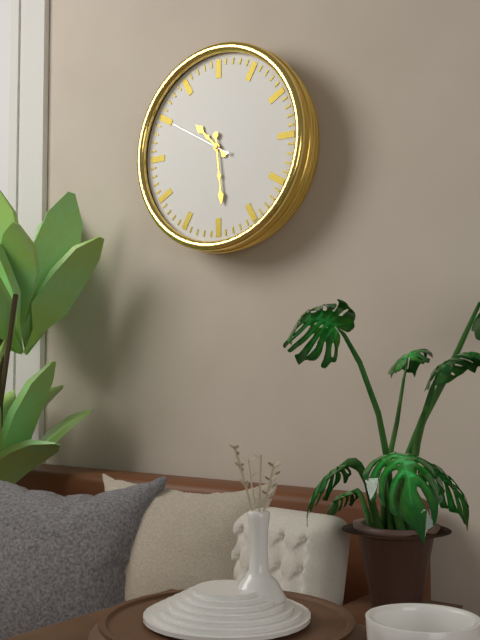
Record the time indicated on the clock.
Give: 10:29:50
